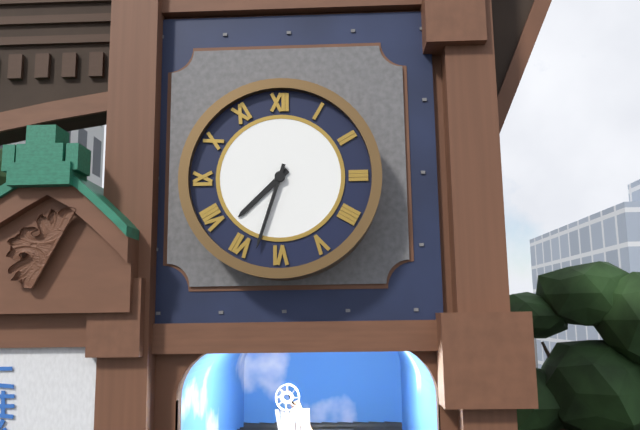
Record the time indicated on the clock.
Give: 7:33
